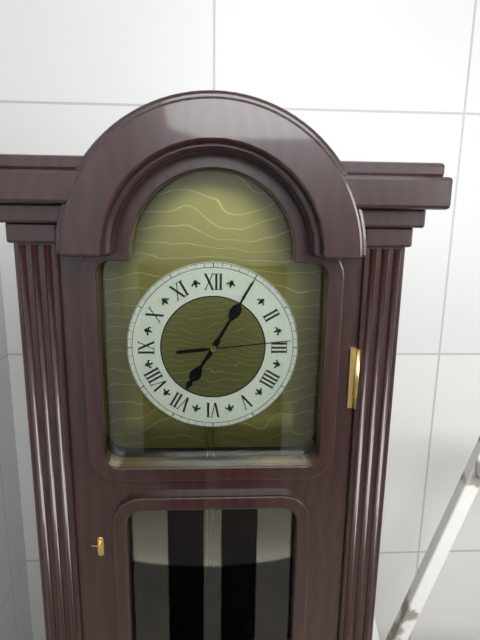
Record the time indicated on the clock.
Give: 7:05:14
